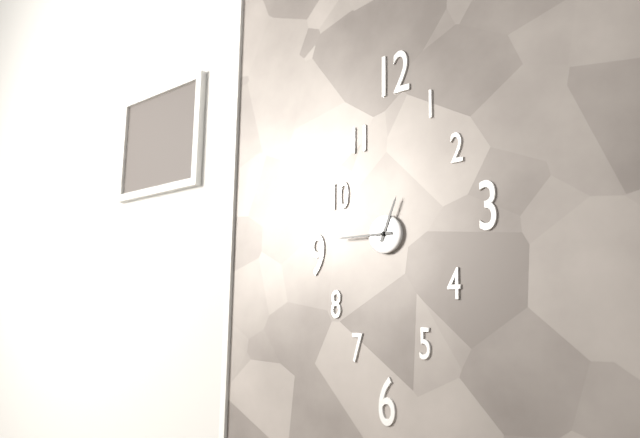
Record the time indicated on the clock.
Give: 12:45
